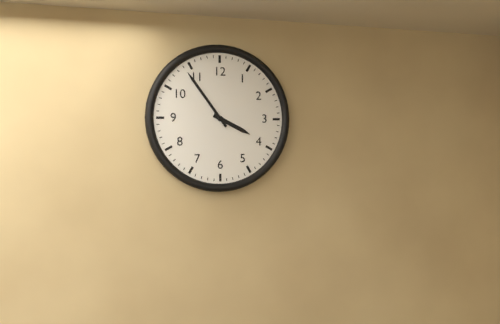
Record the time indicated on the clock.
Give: 3:54
